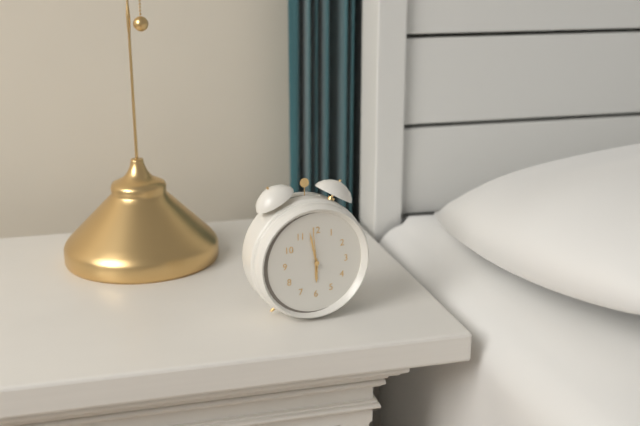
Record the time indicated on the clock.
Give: 5:58
